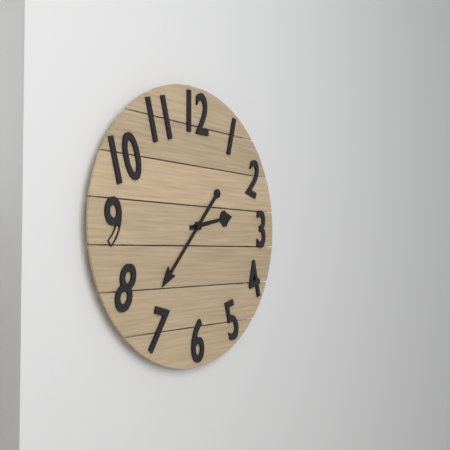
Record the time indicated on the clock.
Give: 2:37
